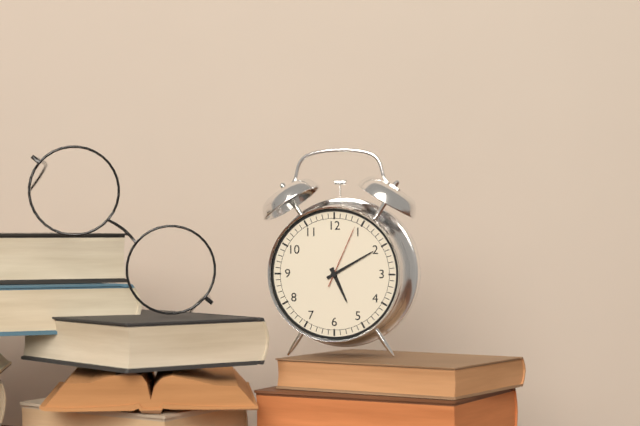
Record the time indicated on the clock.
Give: 5:10:04
